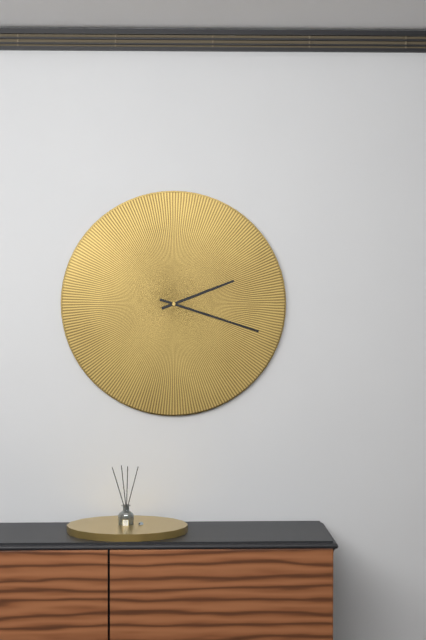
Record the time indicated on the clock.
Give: 2:18
